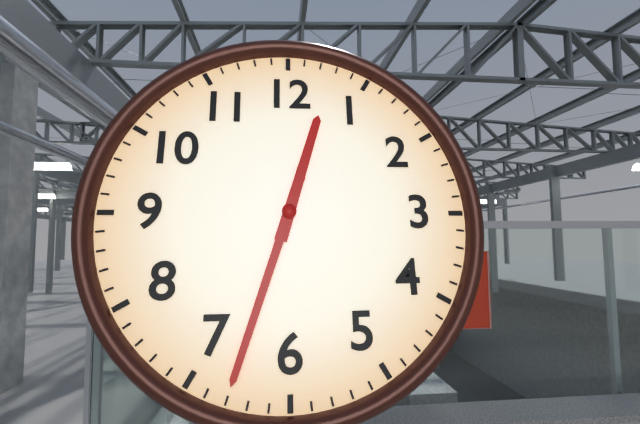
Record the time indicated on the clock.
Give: 12:33
